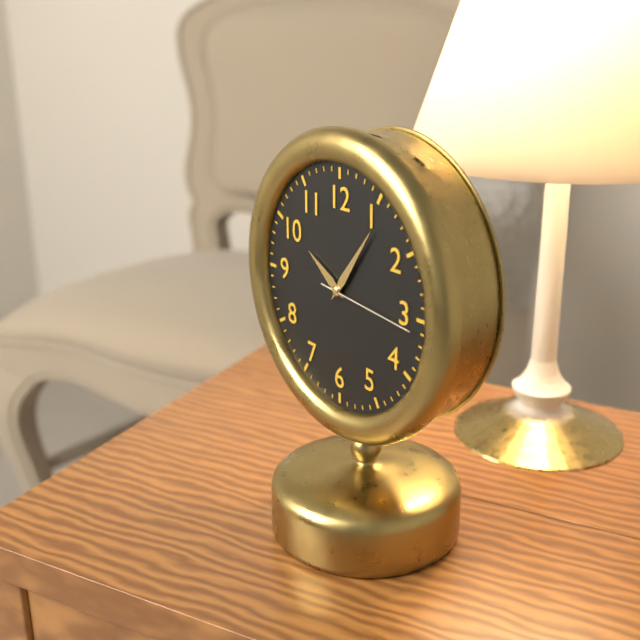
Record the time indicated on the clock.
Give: 10:06:16
